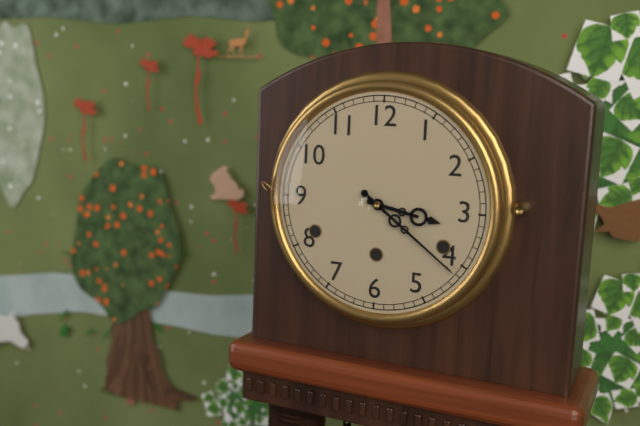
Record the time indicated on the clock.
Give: 3:21
